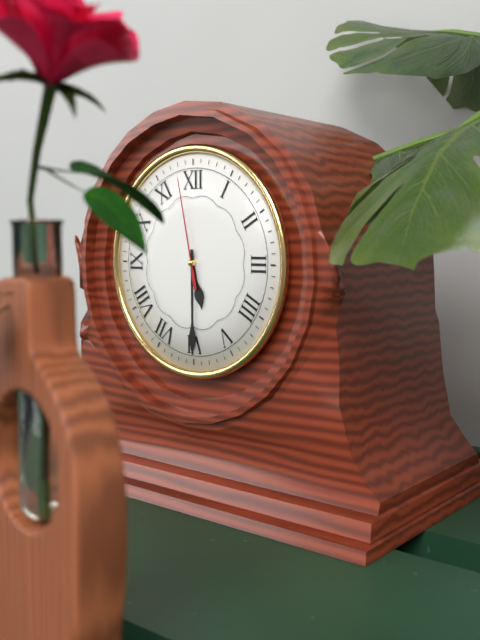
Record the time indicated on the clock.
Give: 5:30:58
